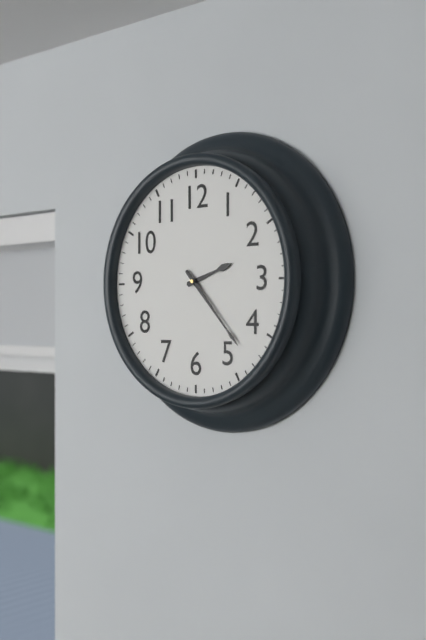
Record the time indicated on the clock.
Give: 2:23
